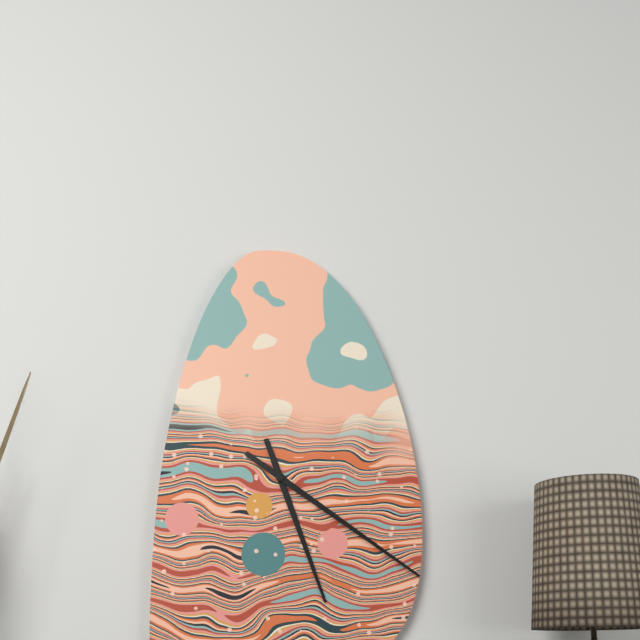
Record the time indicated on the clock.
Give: 5:21
